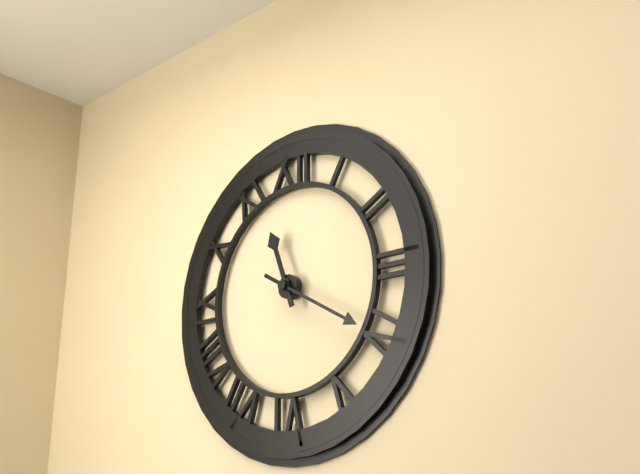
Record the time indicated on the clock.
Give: 11:20
